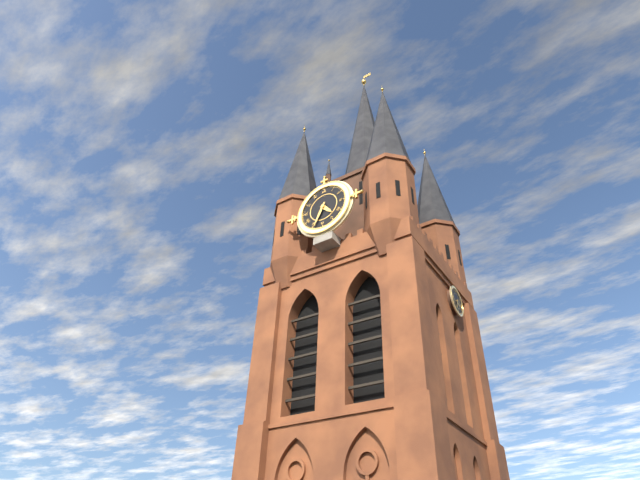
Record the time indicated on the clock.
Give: 4:34
